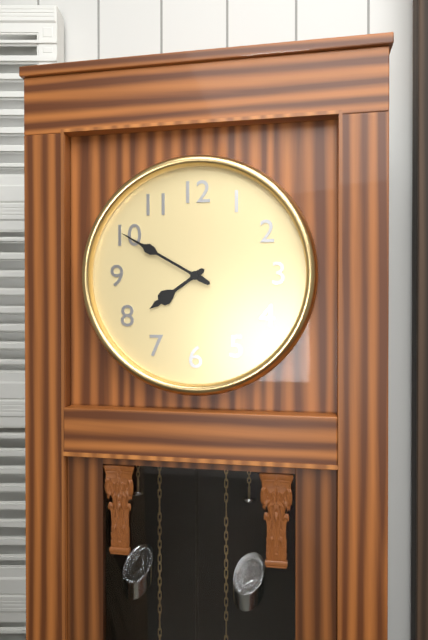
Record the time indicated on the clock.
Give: 7:50
